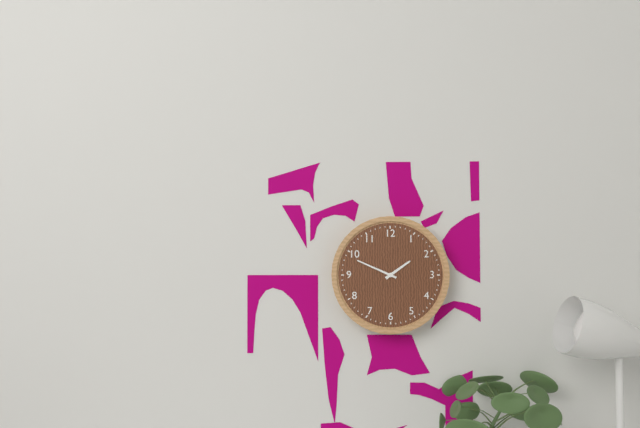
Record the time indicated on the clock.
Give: 1:49
